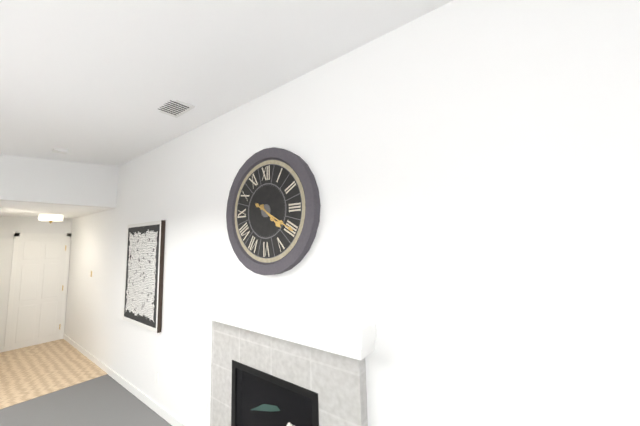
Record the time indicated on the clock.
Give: 4:20
